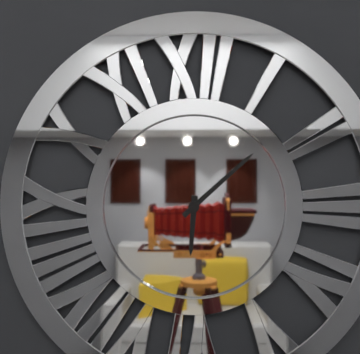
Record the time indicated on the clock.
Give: 6:08
